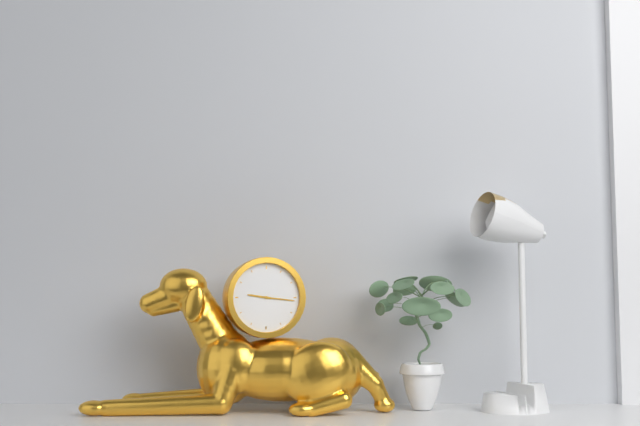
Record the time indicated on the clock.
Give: 9:16
